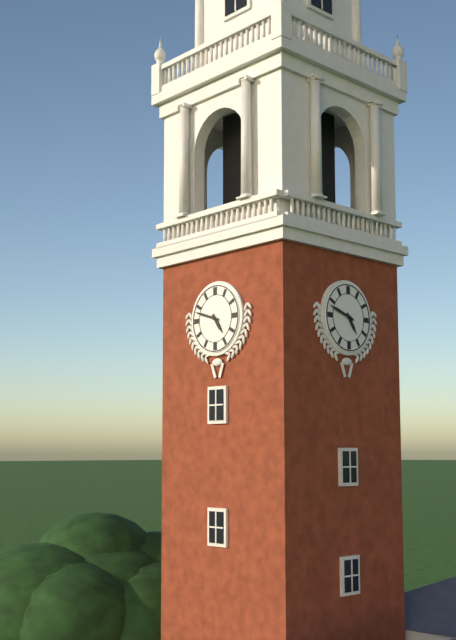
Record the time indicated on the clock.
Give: 4:48
